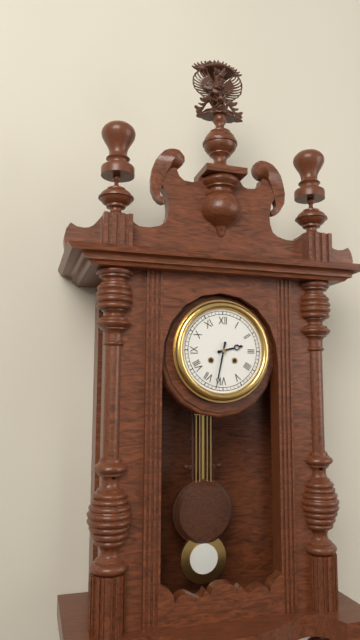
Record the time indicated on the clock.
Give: 2:32
